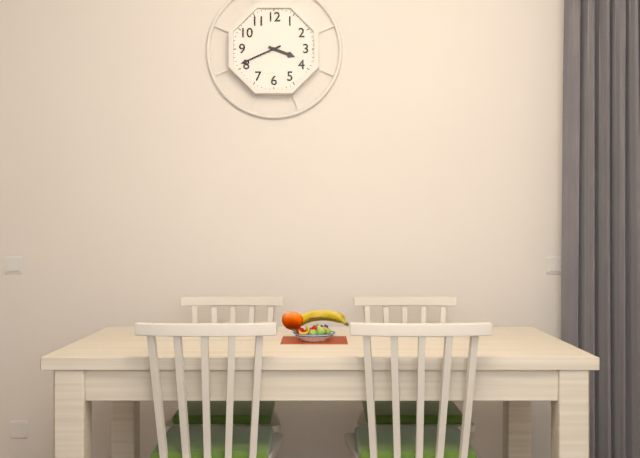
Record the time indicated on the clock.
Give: 3:41
